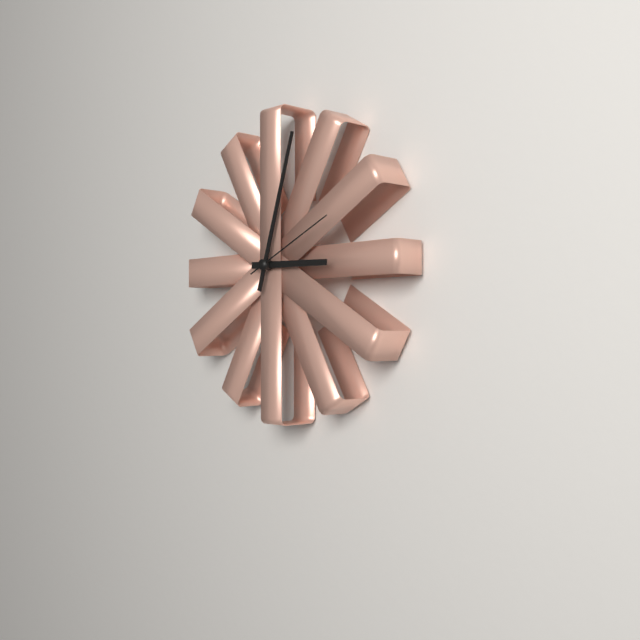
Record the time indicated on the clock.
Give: 3:03:11
